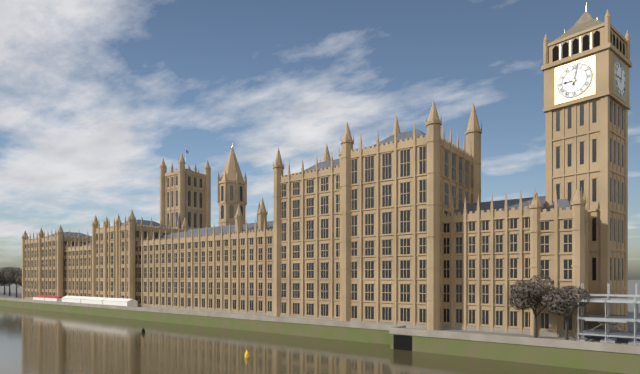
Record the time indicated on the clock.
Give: 9:02
